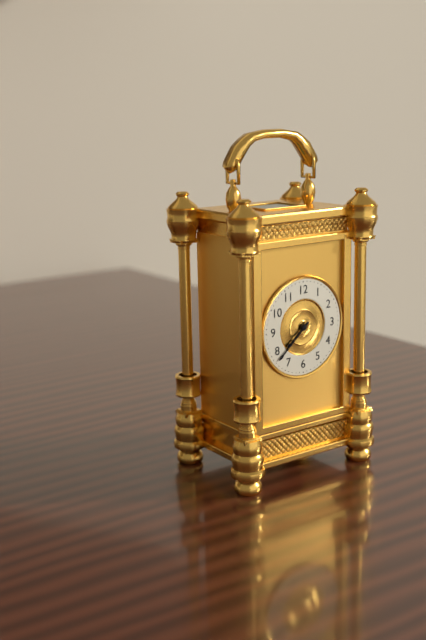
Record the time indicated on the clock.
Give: 7:38
